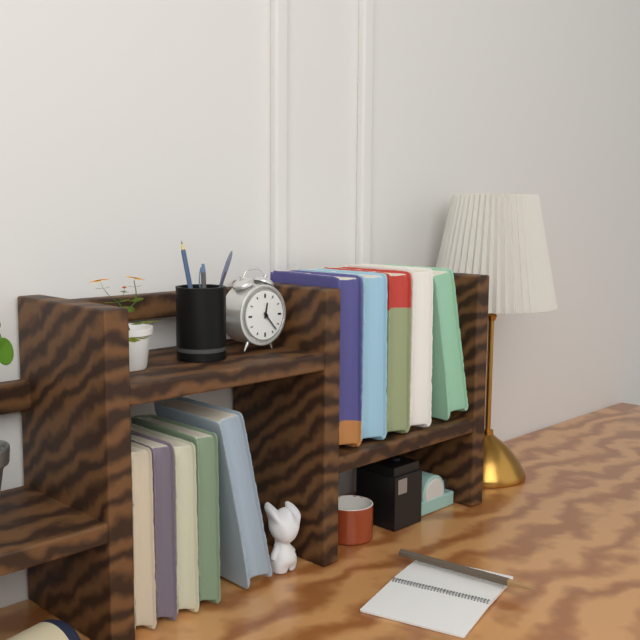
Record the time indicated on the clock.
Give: 12:23
